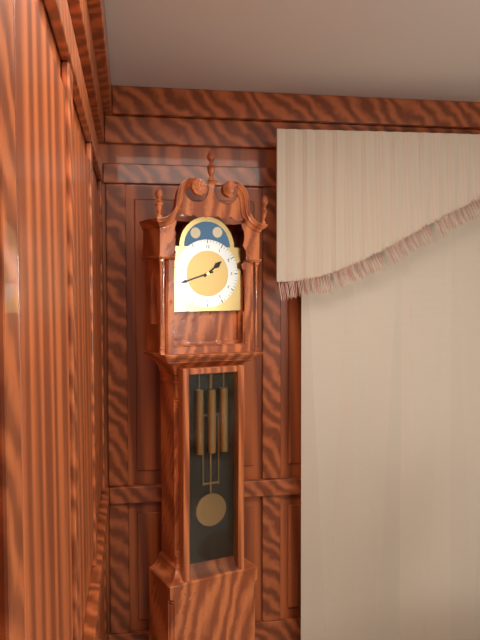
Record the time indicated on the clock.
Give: 1:42
